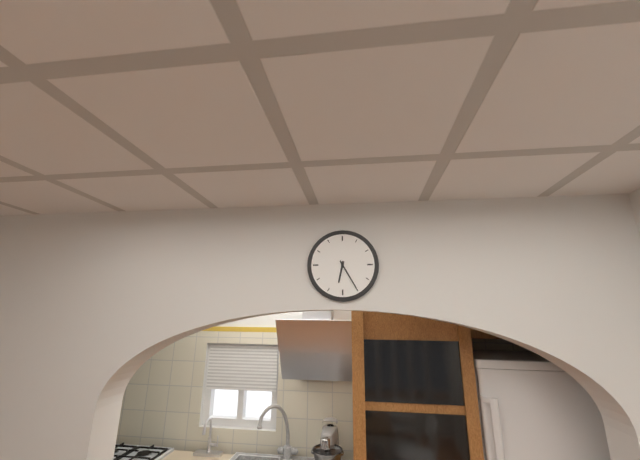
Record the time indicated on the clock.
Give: 6:25
